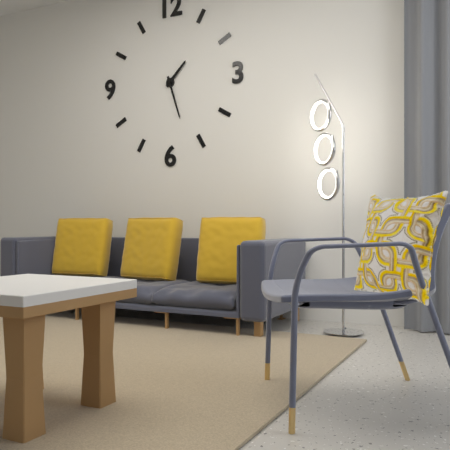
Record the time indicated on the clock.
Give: 1:27
